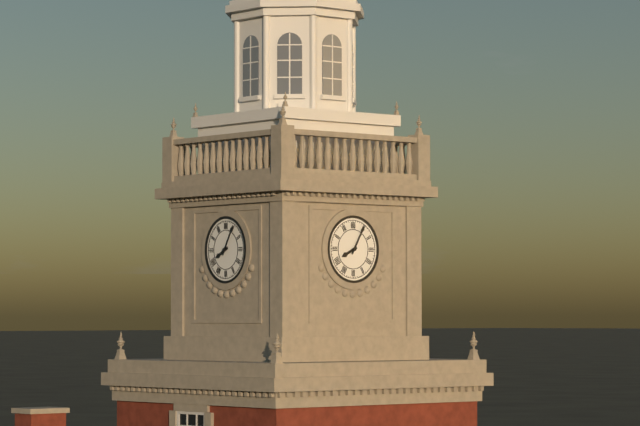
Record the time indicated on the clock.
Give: 8:05
